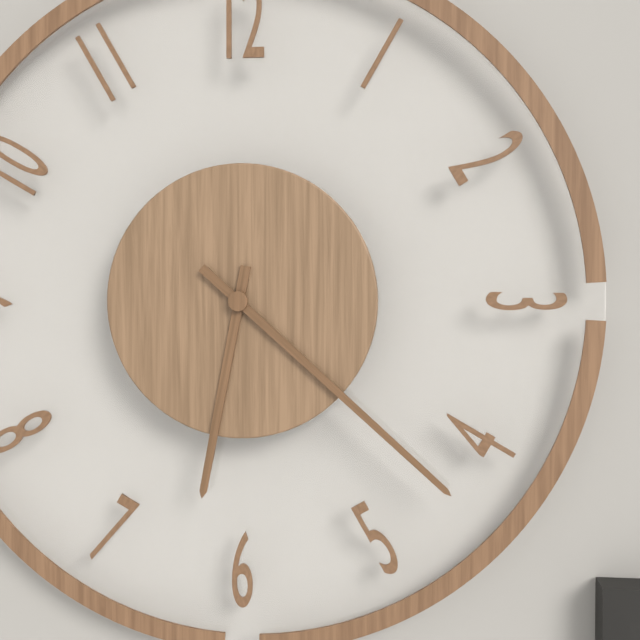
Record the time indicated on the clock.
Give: 6:22
